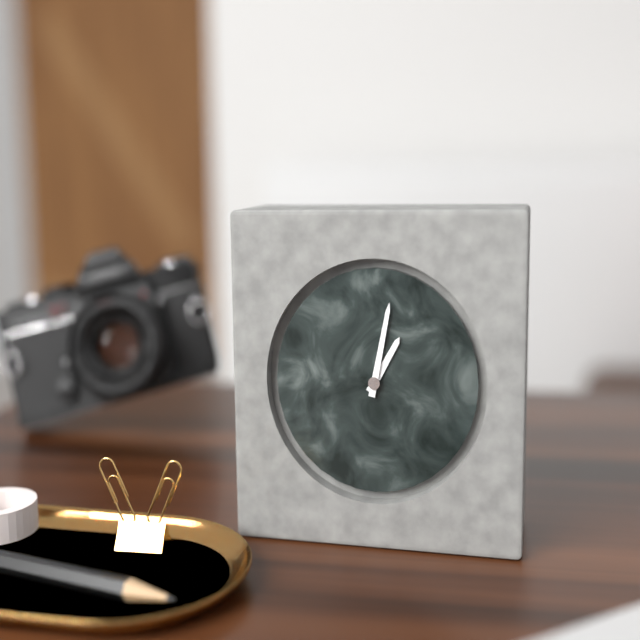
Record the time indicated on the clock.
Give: 1:02
